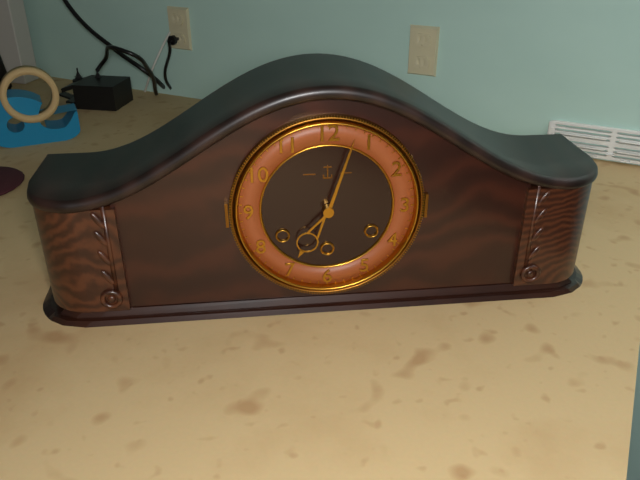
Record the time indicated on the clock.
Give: 7:03
